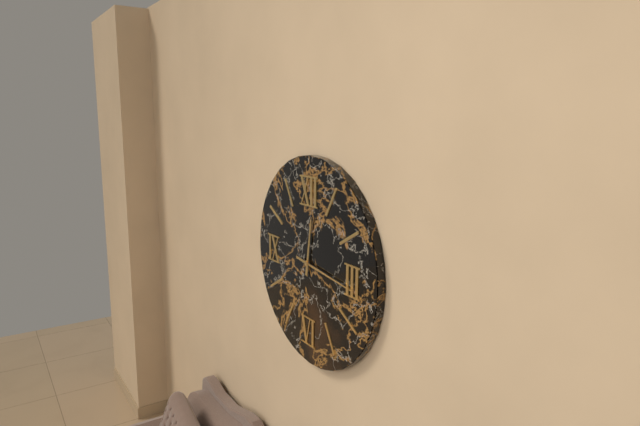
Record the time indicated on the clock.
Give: 12:16
